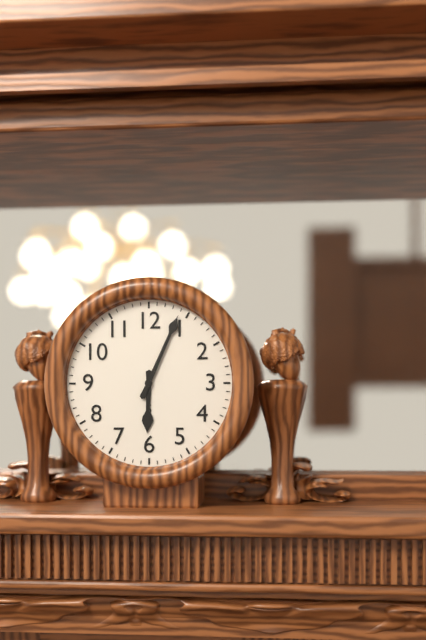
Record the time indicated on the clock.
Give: 6:04
